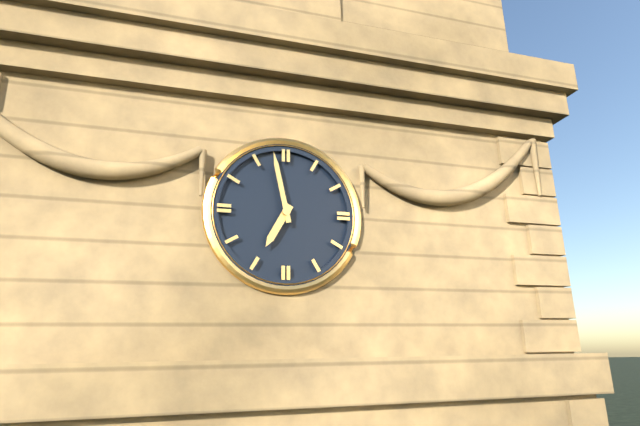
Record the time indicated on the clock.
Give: 6:58
